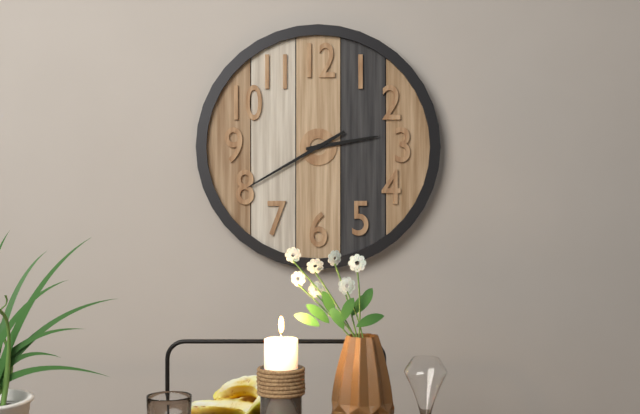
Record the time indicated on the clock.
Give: 2:40
